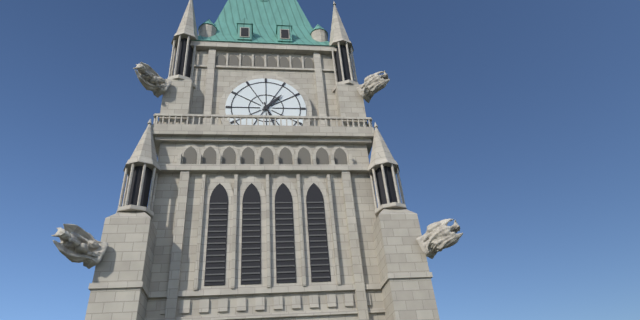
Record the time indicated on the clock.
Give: 1:27
